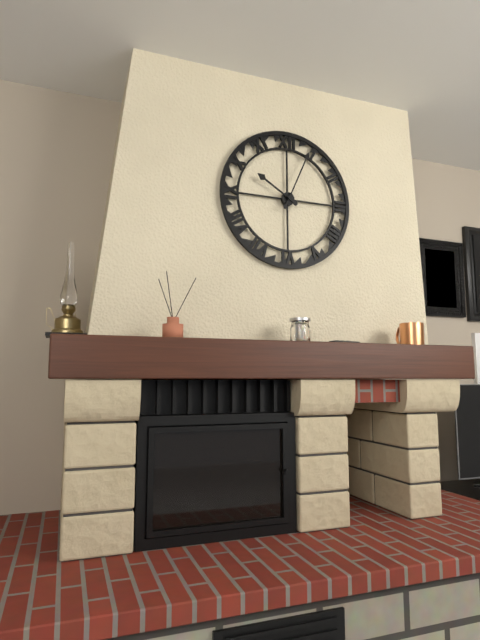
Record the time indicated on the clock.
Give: 10:04
